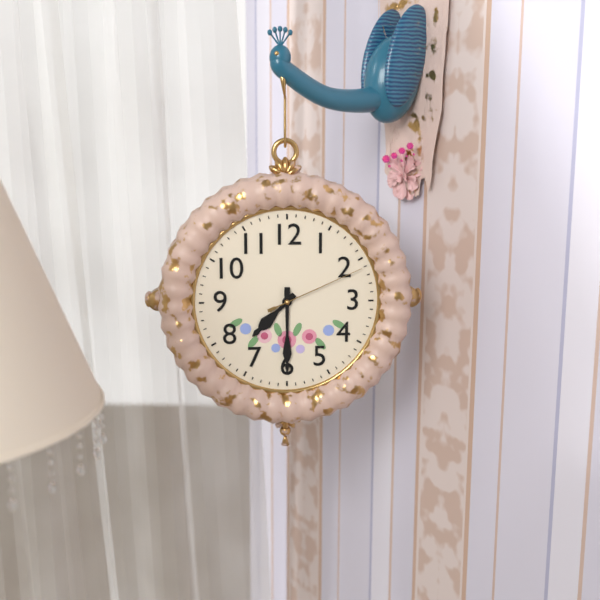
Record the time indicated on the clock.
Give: 7:30:11
